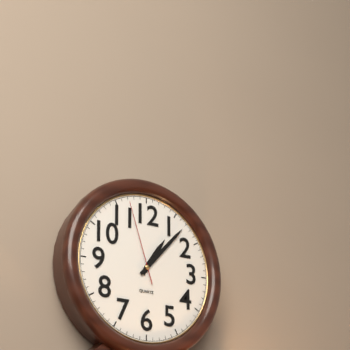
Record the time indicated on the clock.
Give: 1:07:57
